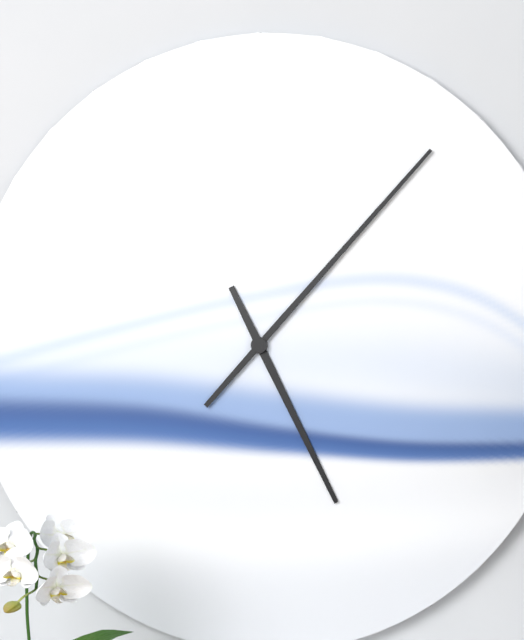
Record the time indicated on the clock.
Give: 5:07
